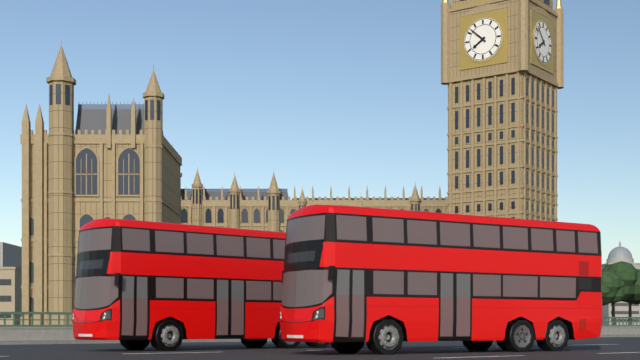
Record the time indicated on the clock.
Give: 7:52
